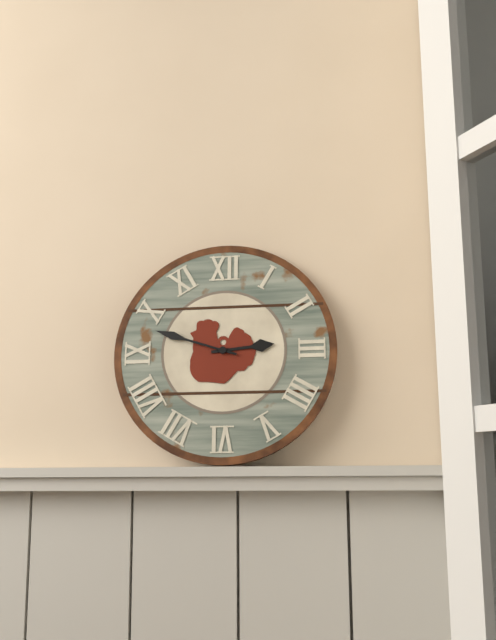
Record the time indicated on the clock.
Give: 2:48
